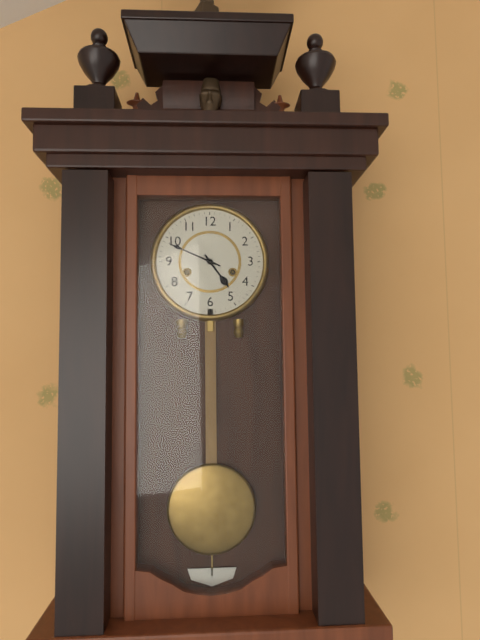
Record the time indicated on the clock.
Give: 4:49
